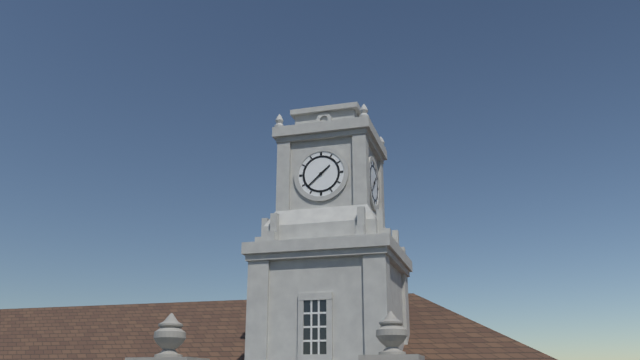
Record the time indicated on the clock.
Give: 1:38
